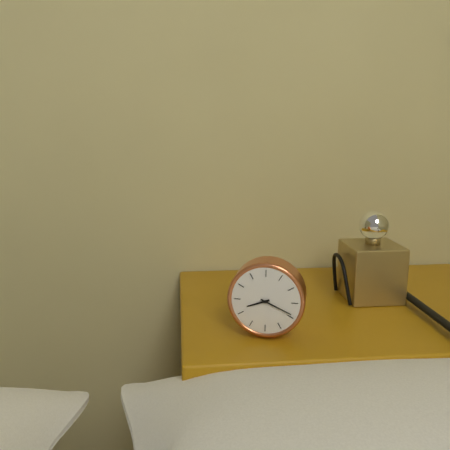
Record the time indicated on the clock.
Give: 8:19
